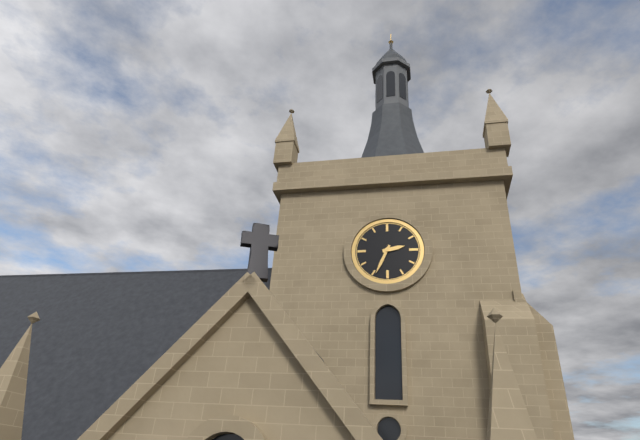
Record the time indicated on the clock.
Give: 2:34
